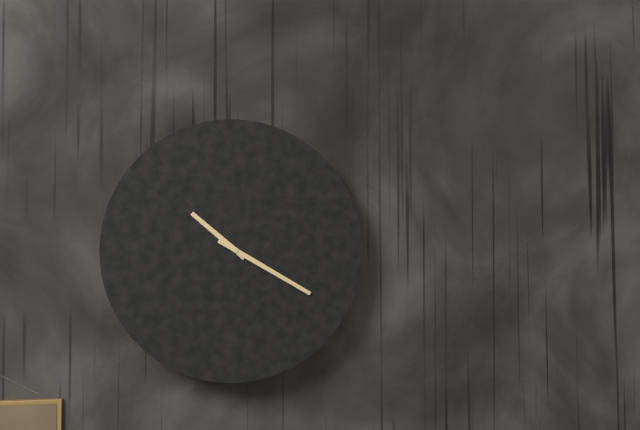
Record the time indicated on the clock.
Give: 10:20
